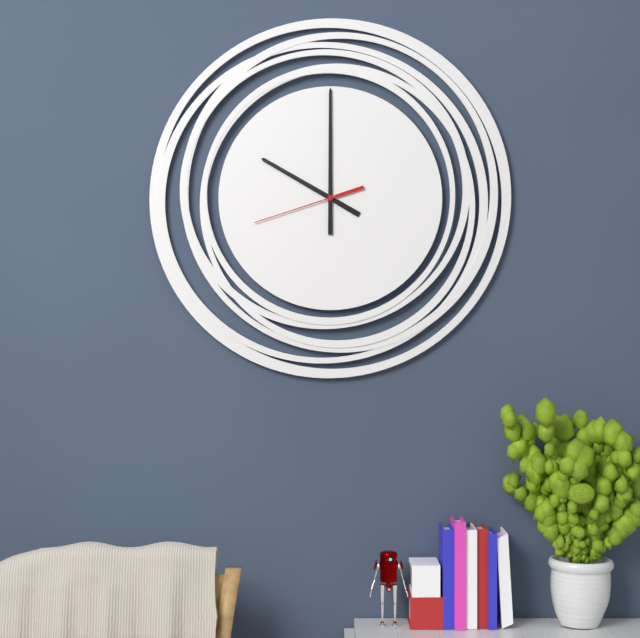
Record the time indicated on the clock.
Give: 10:00:42
